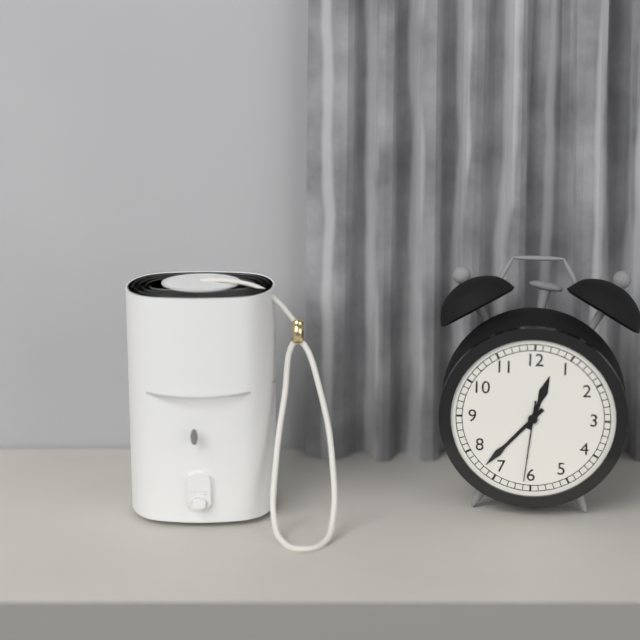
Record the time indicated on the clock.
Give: 12:37:31
